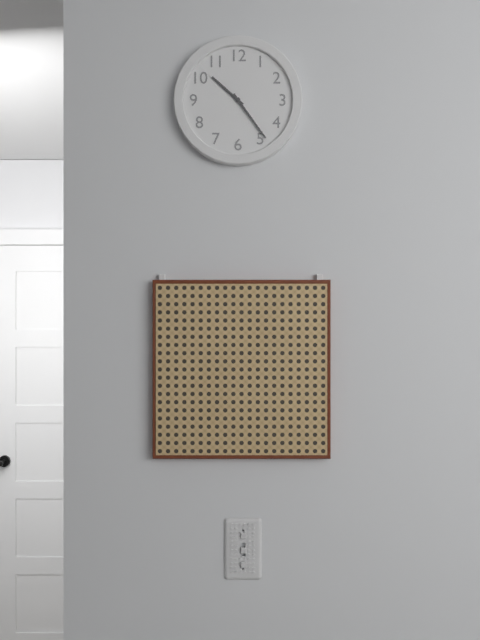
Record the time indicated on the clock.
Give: 10:24
